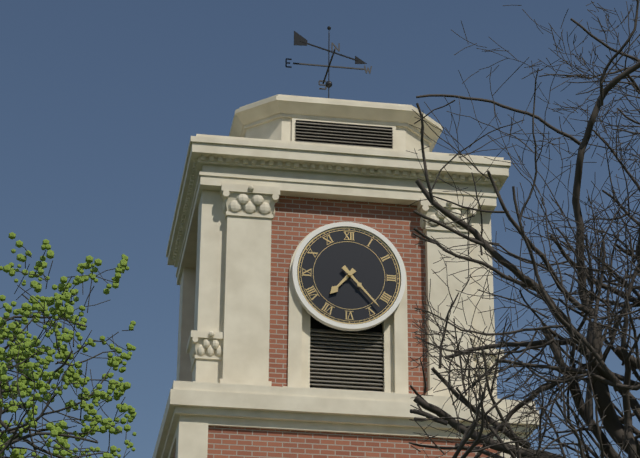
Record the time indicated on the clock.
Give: 7:23
